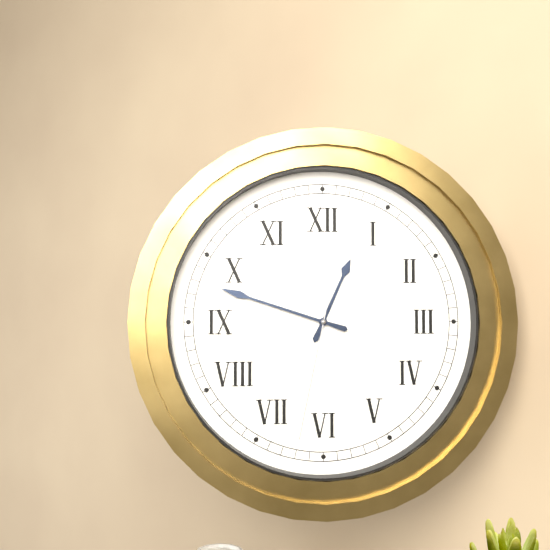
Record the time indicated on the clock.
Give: 12:48:32
